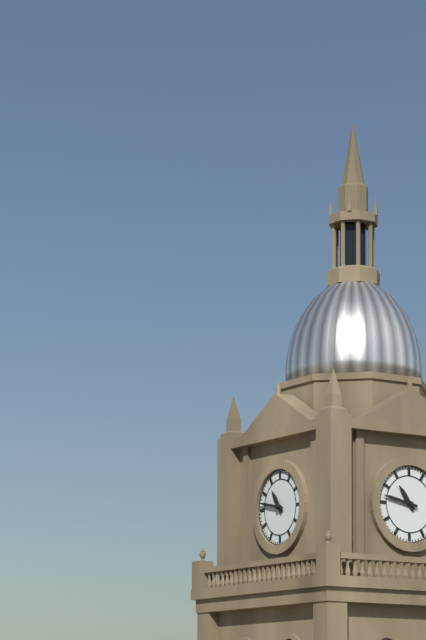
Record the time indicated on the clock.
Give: 10:47
